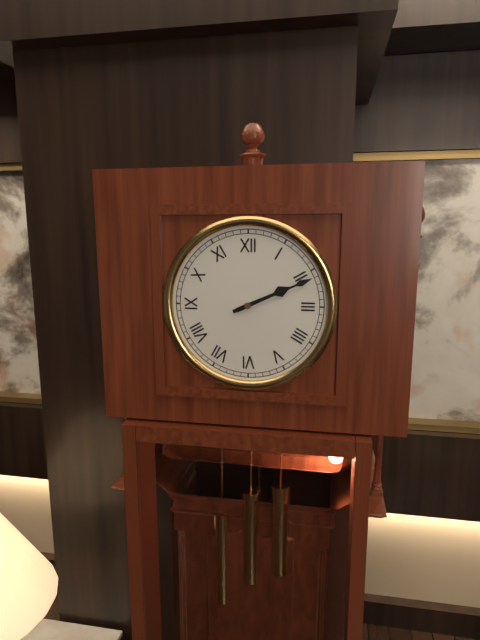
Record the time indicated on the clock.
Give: 2:11
